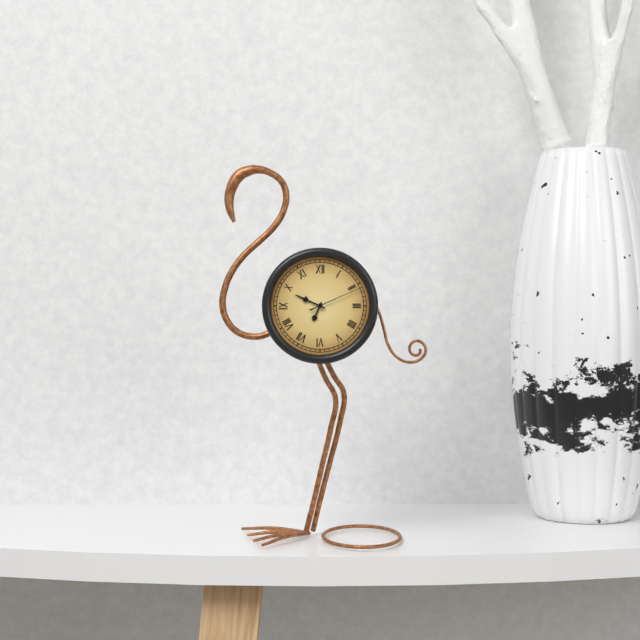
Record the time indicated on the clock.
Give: 6:49:11
